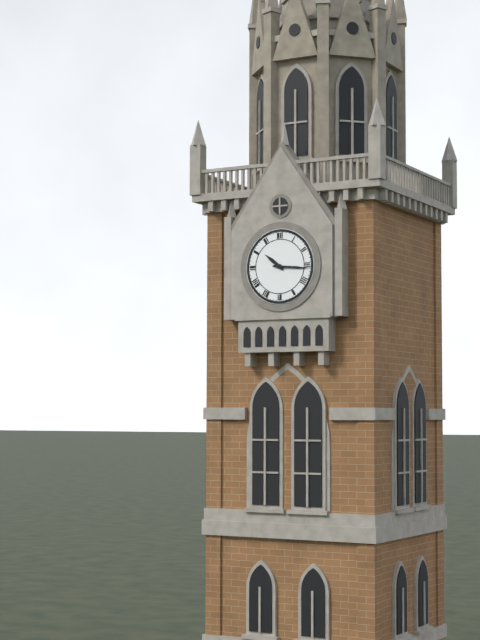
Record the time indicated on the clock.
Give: 10:16
